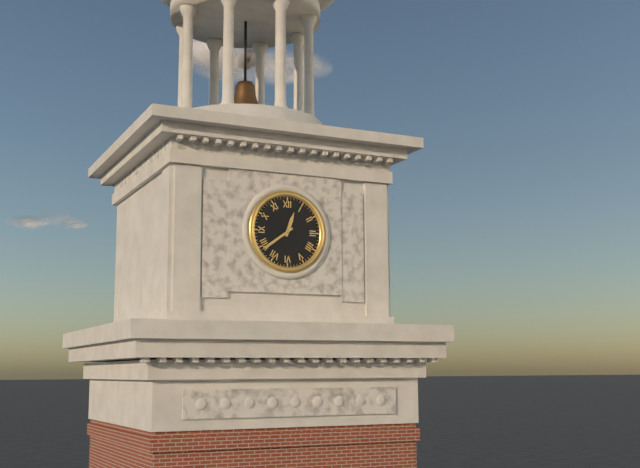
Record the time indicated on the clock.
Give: 12:39
